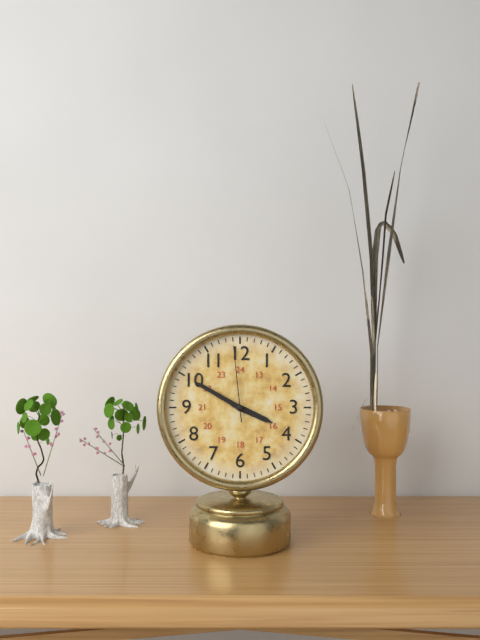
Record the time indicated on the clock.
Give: 3:50:59
